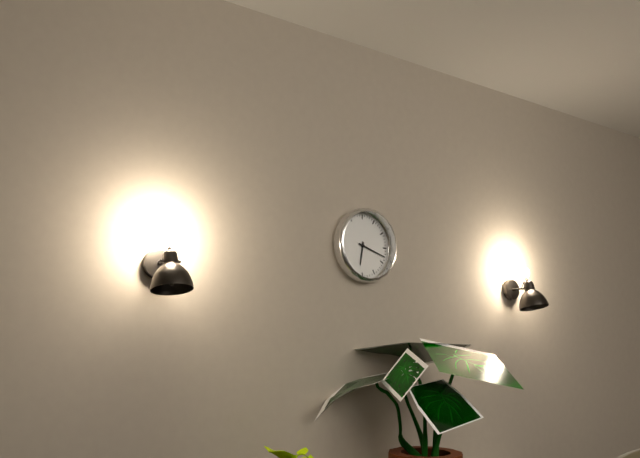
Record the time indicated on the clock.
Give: 6:18
